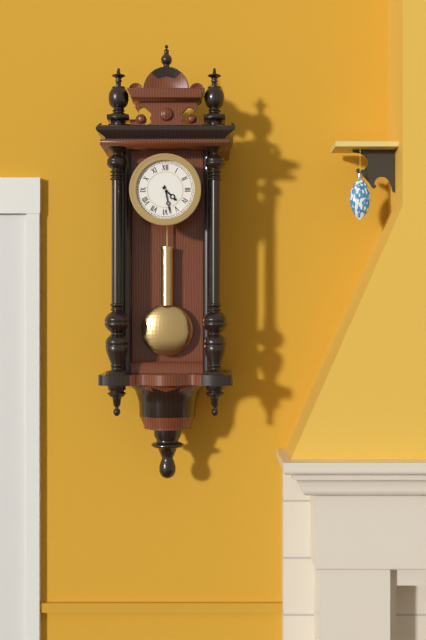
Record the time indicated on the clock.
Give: 4:28
